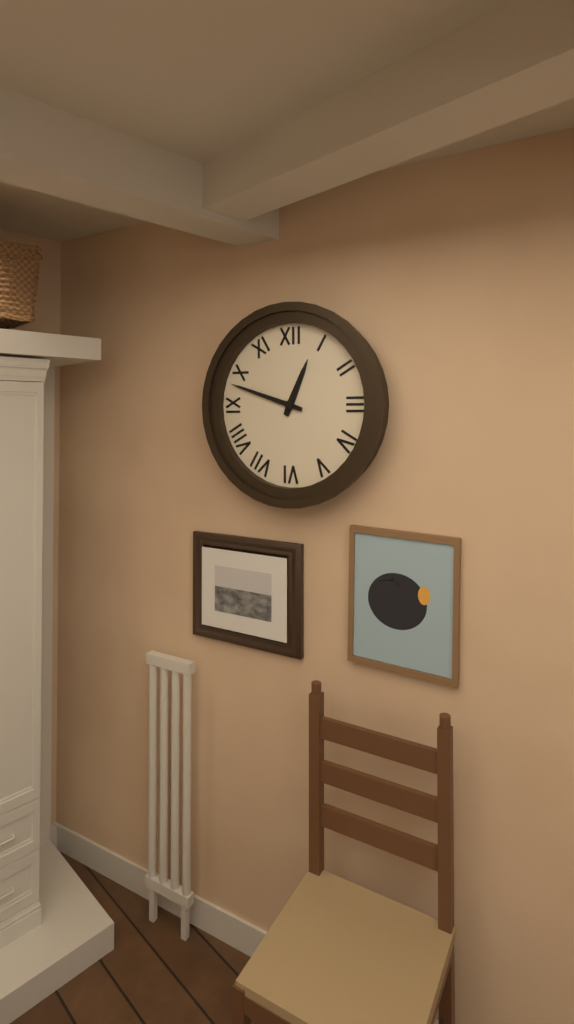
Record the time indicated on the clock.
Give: 12:48
